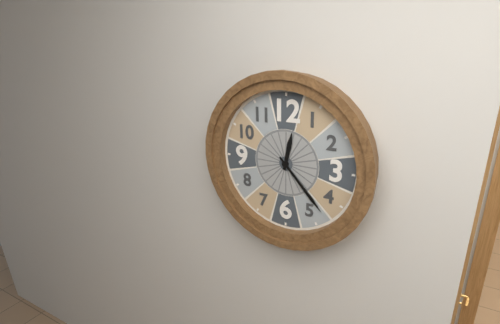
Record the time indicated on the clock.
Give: 12:23
